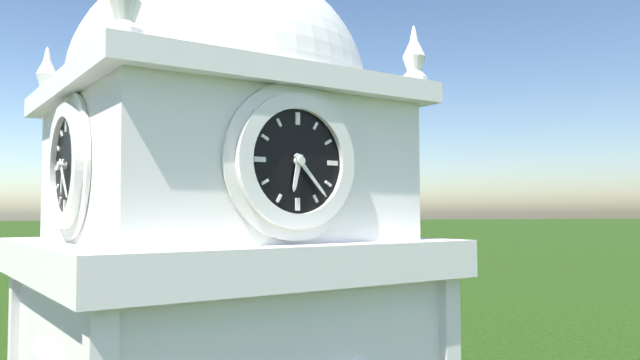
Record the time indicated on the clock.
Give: 6:23
